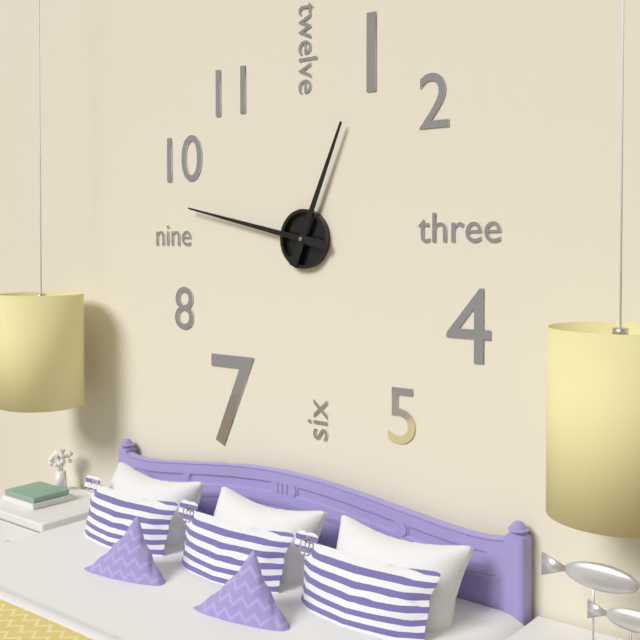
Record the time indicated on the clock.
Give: 12:47
